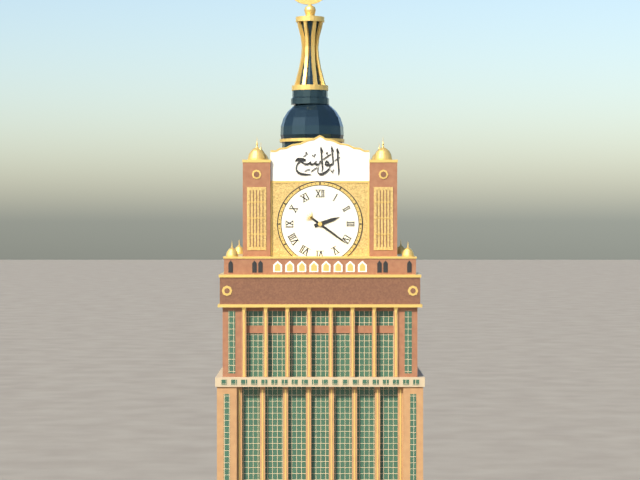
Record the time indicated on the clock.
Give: 2:21
